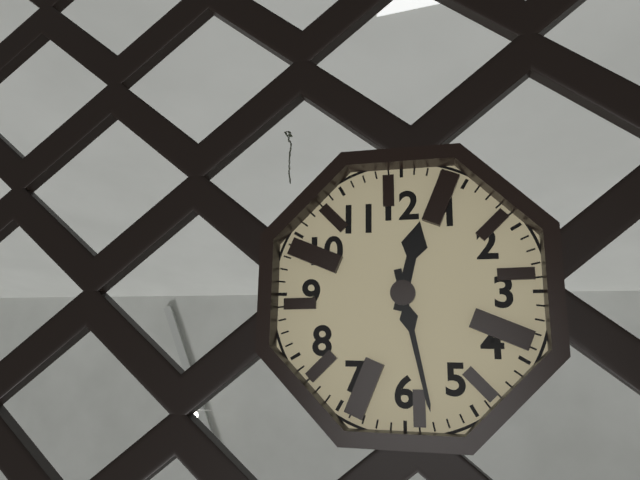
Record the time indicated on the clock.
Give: 12:28
